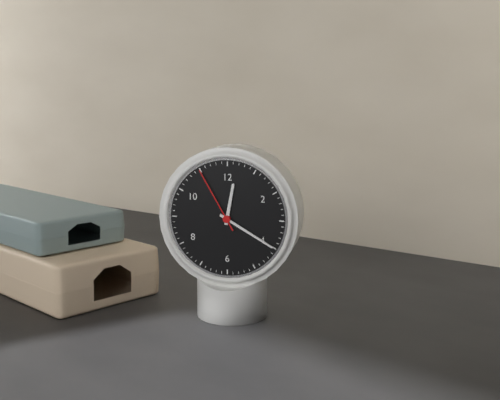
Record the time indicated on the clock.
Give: 12:20:55
